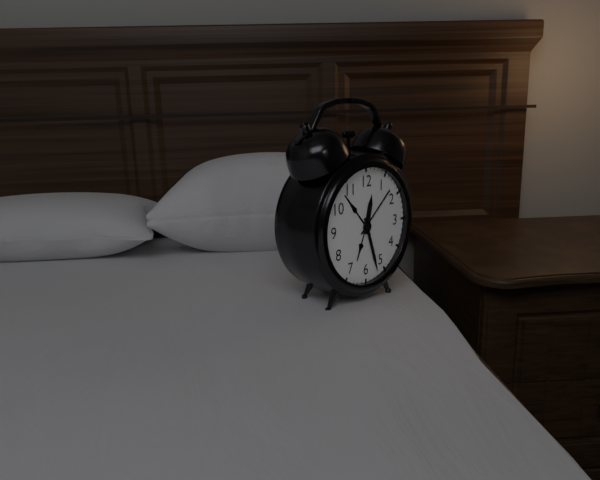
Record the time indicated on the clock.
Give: 12:27
